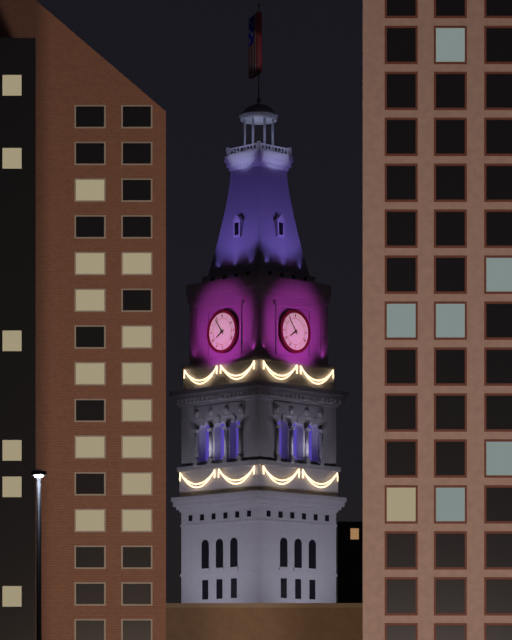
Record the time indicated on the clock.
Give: 7:54
